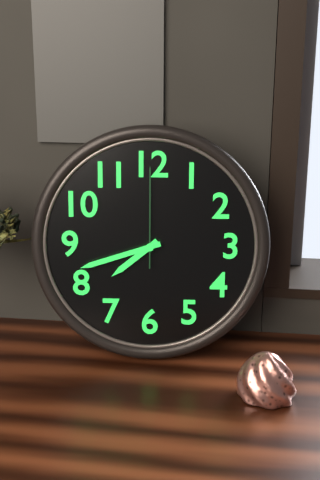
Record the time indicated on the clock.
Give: 7:42:00
